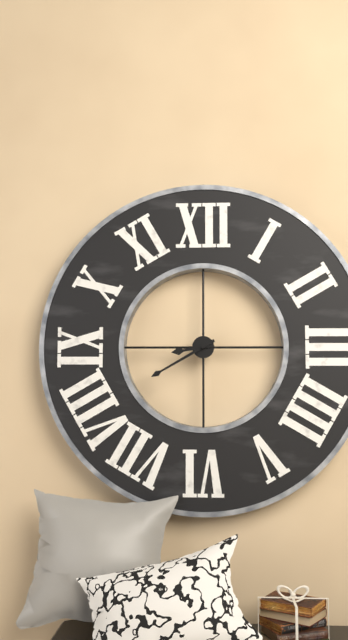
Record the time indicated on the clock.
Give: 8:40
